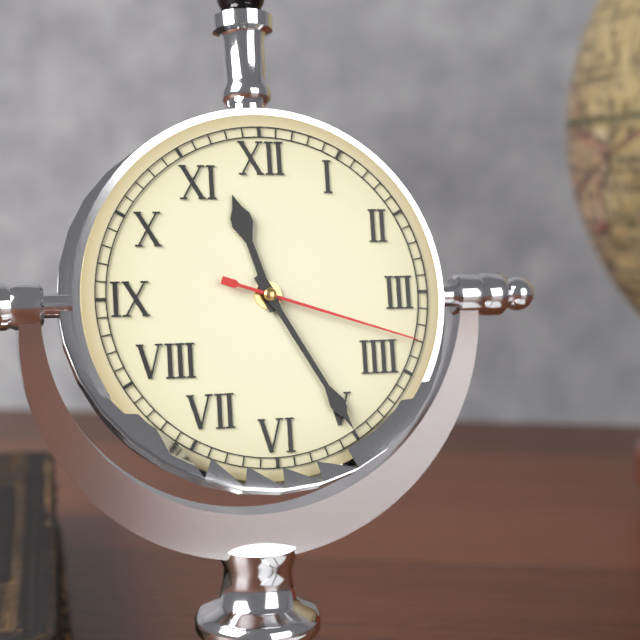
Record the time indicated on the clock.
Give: 11:25:18
